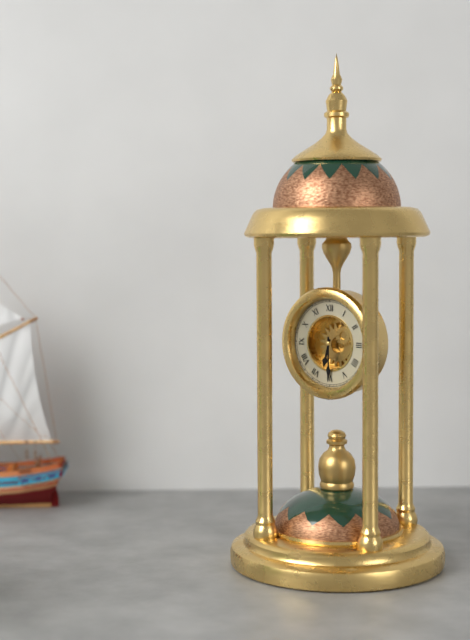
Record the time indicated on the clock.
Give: 6:30
